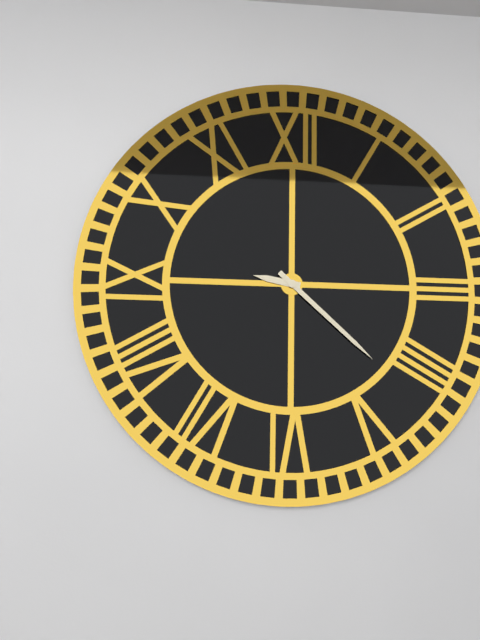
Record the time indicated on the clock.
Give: 9:22
